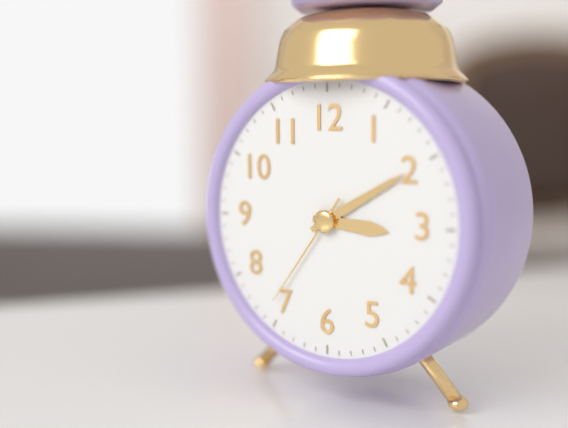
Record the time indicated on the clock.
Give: 3:10:36
